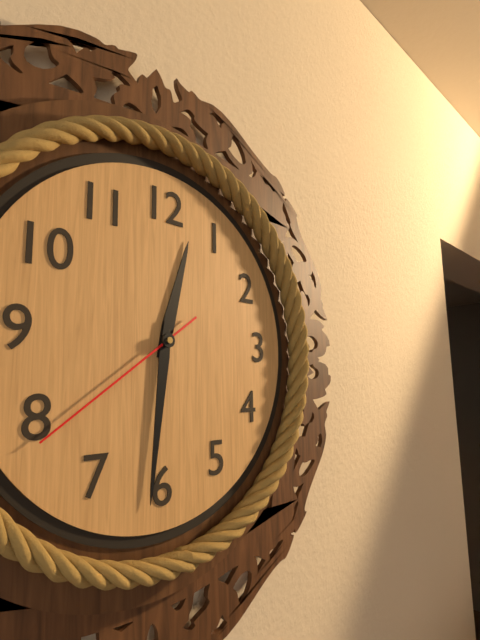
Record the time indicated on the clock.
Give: 12:31:39
